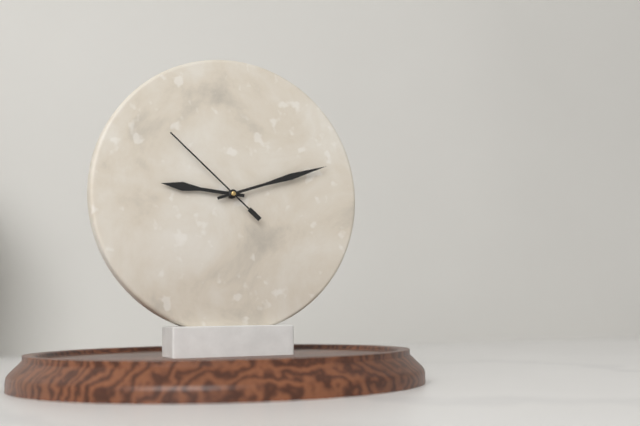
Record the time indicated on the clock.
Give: 9:12:52
